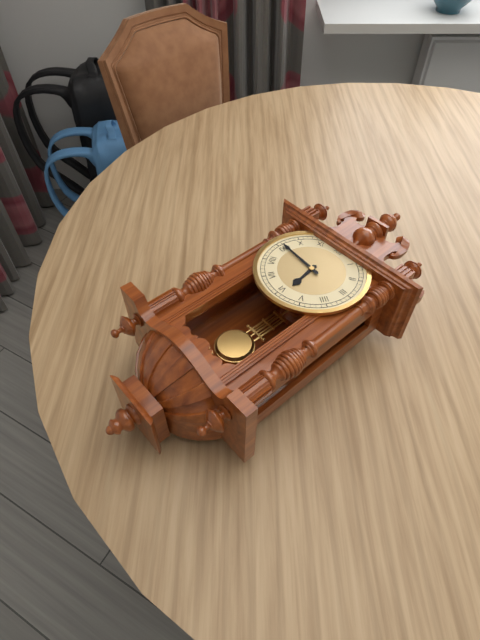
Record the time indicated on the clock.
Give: 5:46
